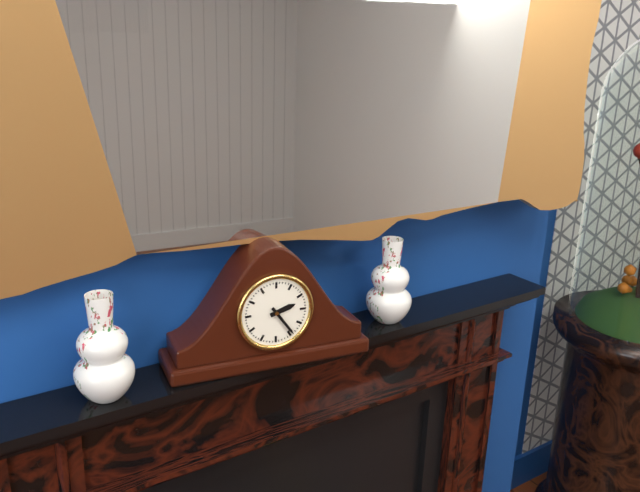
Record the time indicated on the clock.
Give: 2:24
